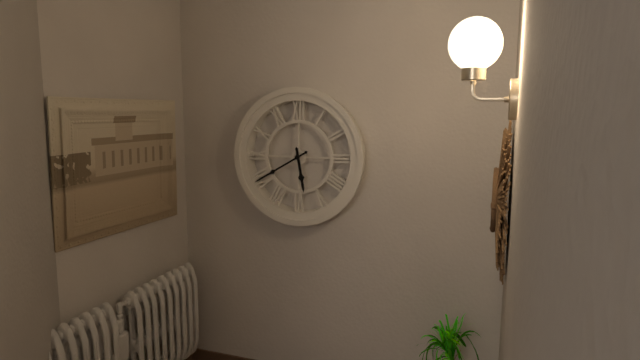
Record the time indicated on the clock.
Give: 5:40
